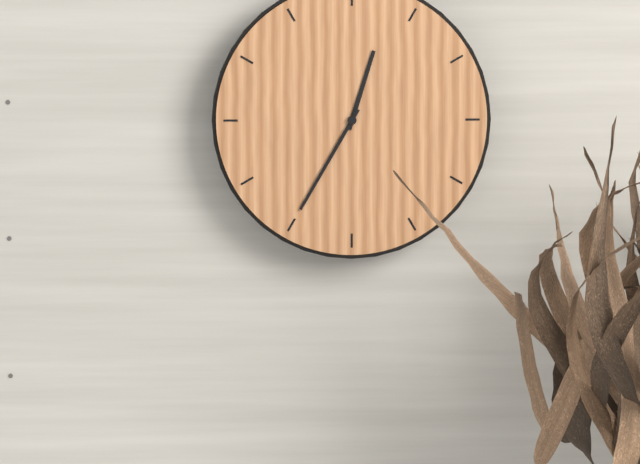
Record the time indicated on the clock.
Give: 12:35
